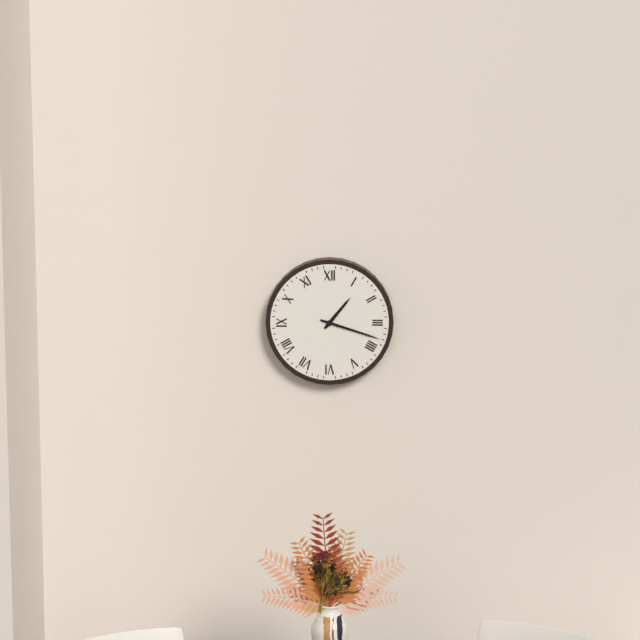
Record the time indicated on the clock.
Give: 1:18
